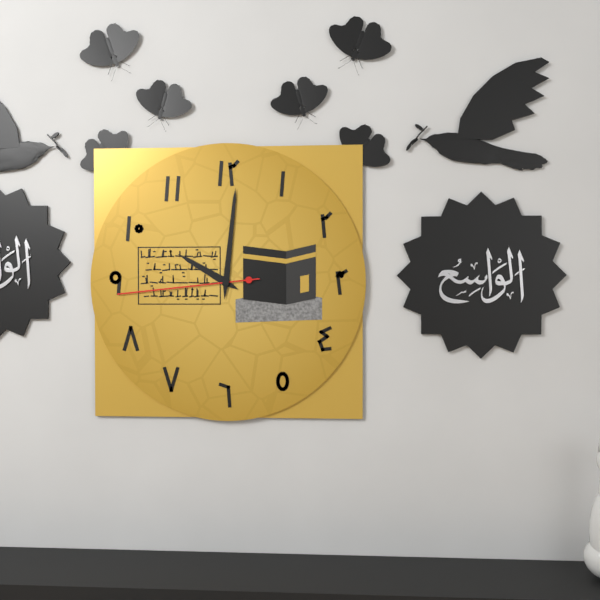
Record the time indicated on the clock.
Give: 10:01:44
